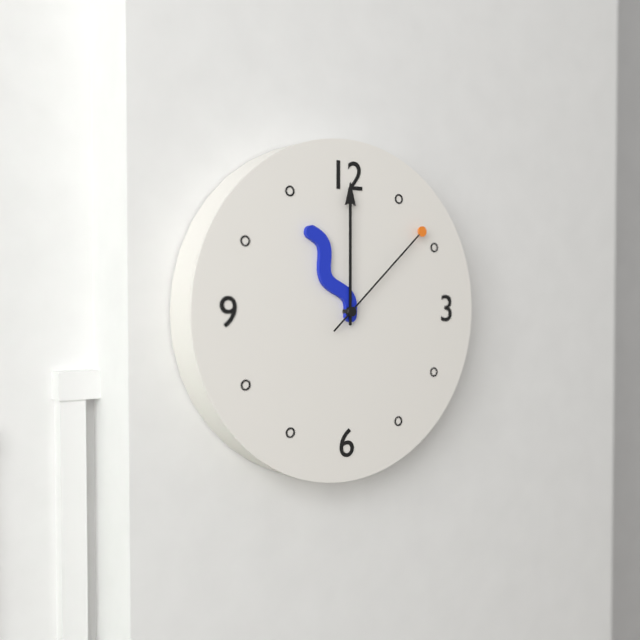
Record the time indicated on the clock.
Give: 11:00:08
